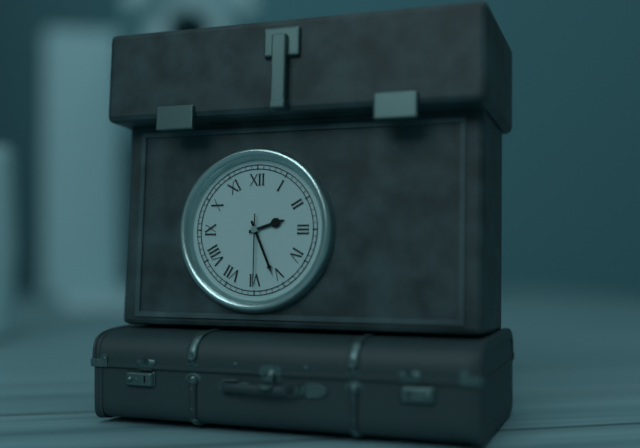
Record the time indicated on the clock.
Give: 2:26:30
